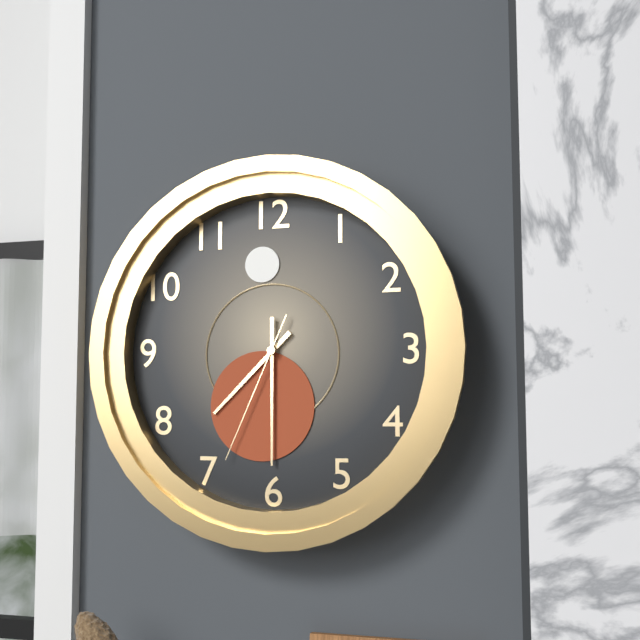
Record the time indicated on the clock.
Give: 7:30:34
